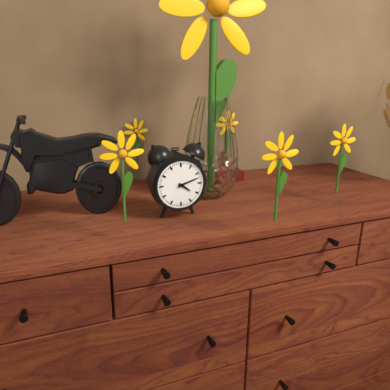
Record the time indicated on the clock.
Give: 4:12
